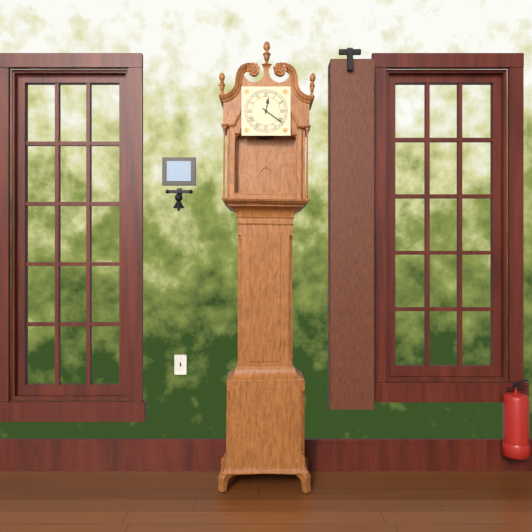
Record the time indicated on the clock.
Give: 12:21
